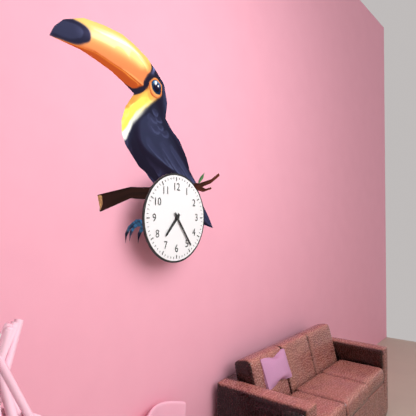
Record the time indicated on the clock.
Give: 7:24
